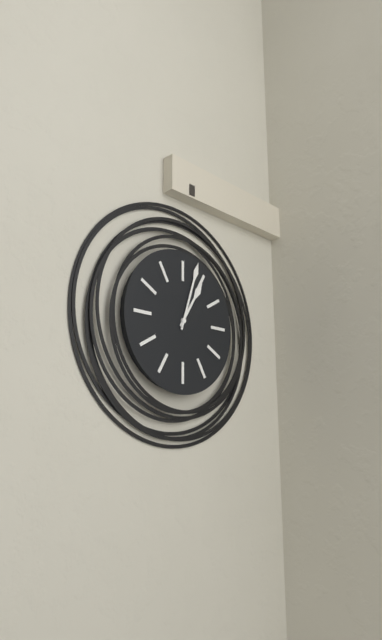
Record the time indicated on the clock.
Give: 1:03
